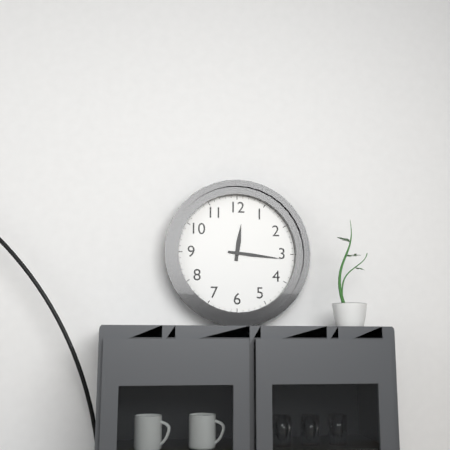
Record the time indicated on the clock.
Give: 12:16
